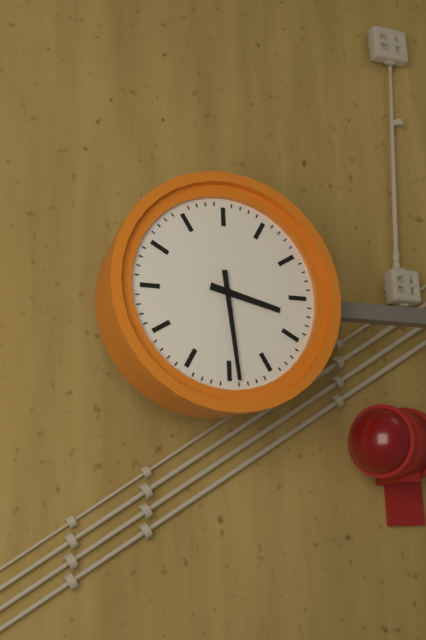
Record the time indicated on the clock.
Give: 3:29
